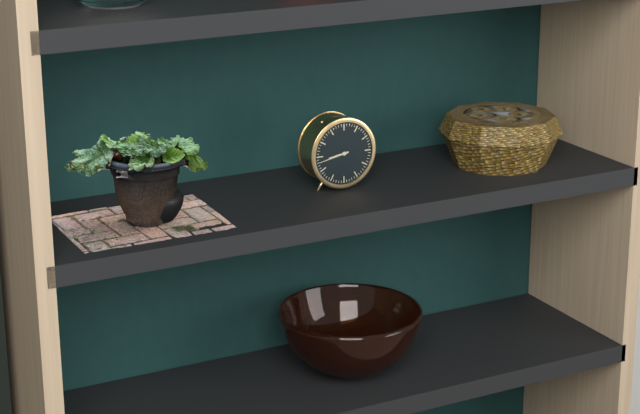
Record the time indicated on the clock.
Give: 8:43
